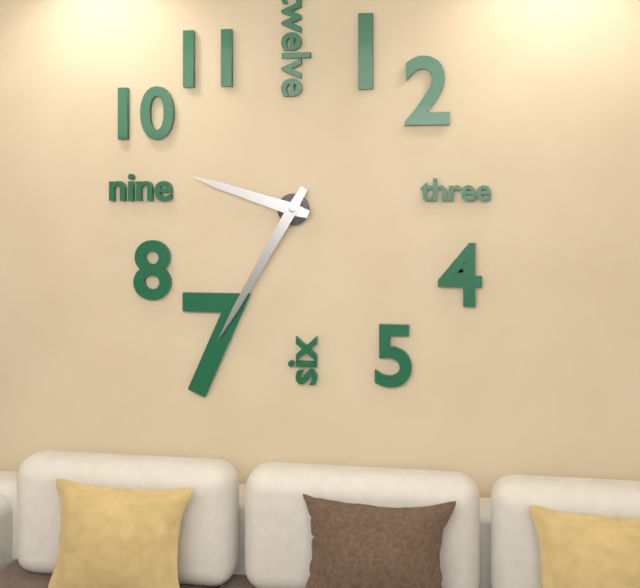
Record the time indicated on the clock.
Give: 9:35
